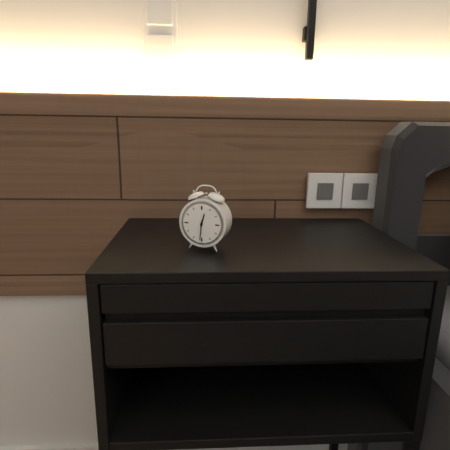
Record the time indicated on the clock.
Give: 12:31
